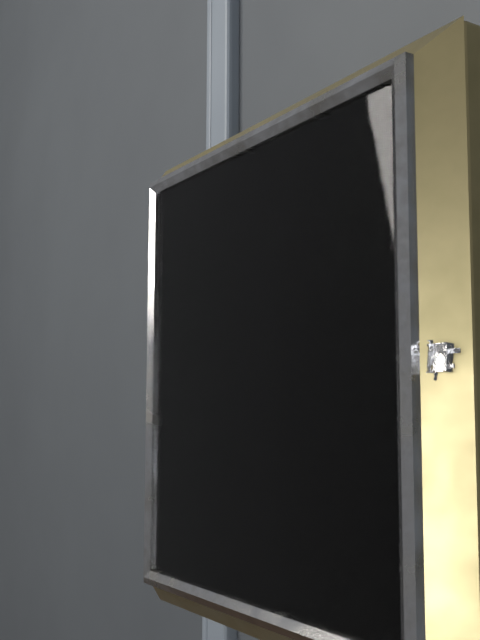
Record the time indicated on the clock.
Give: 3:26
